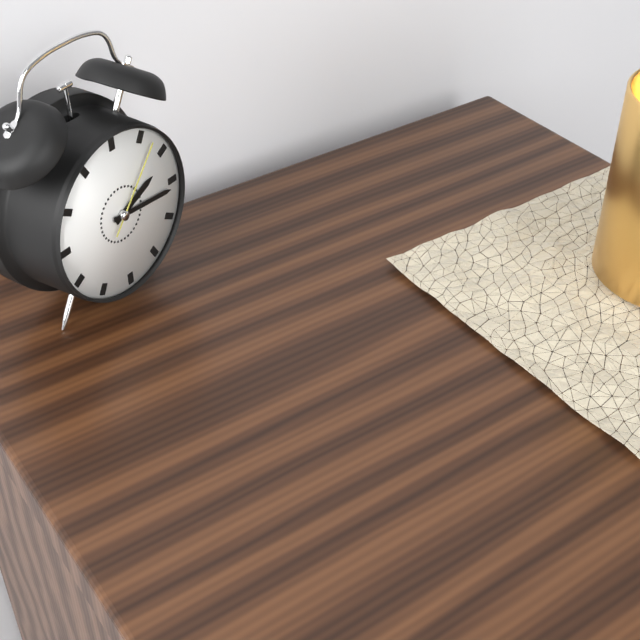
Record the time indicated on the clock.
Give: 2:16:07
